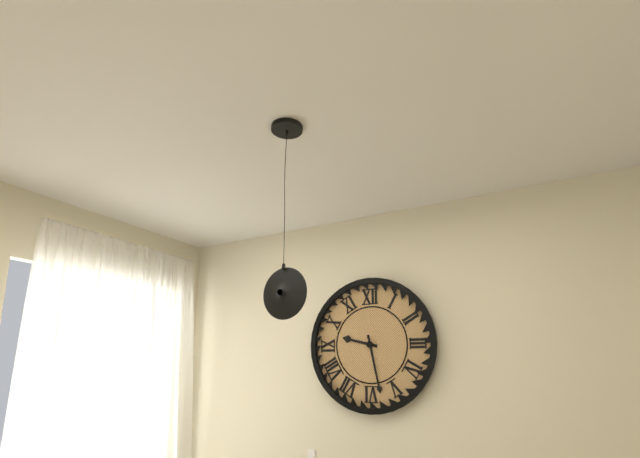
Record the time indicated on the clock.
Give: 9:28
